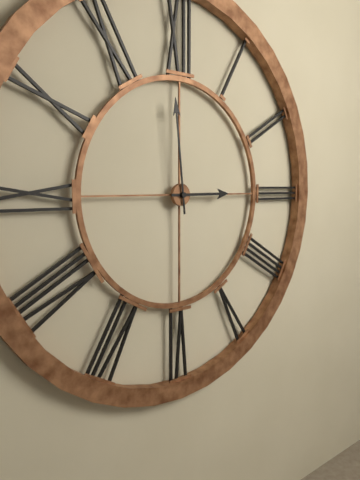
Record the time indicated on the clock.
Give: 2:59
